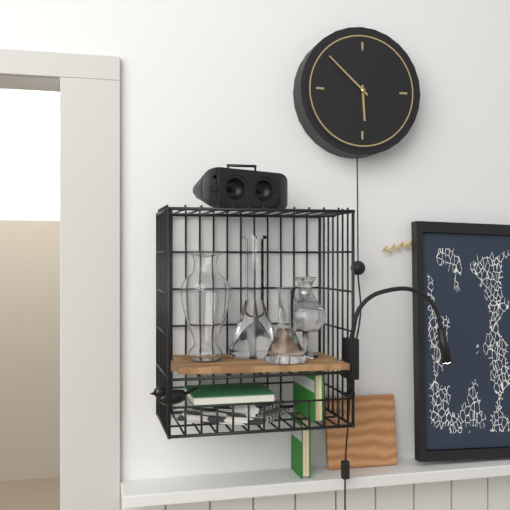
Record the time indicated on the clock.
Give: 5:52
